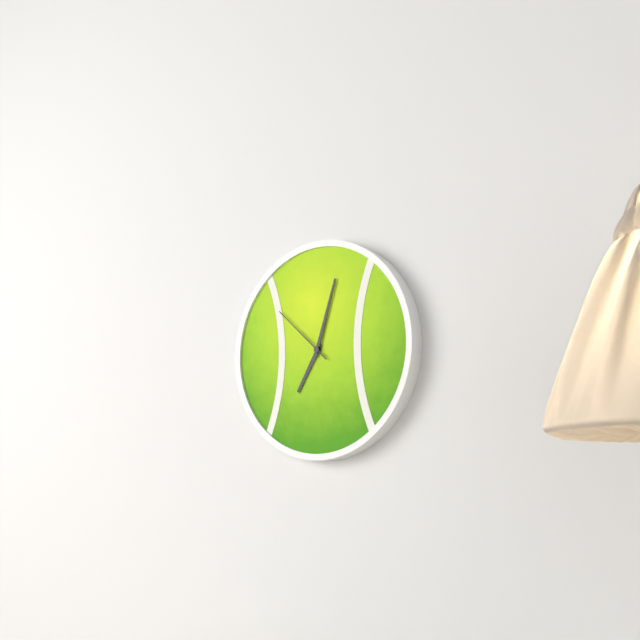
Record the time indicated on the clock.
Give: 7:03:52
